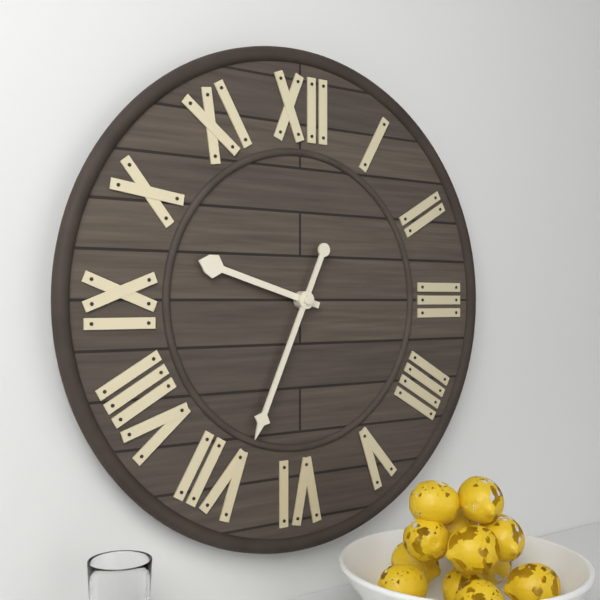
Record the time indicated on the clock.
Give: 9:34
